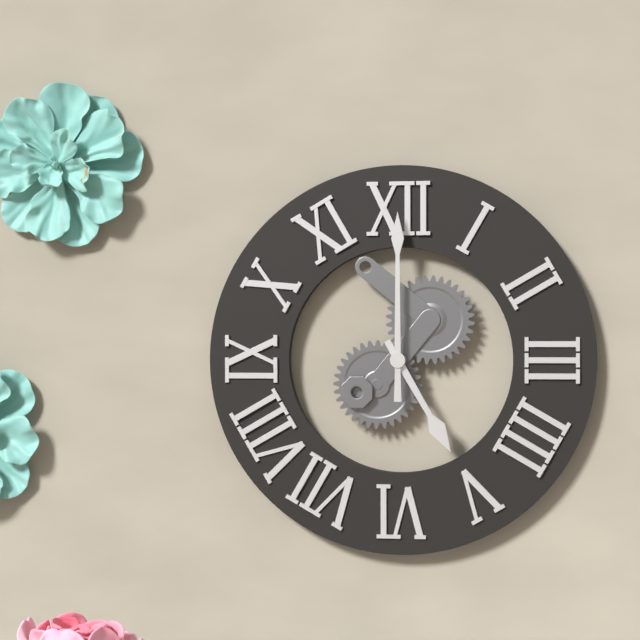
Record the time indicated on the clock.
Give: 5:00
